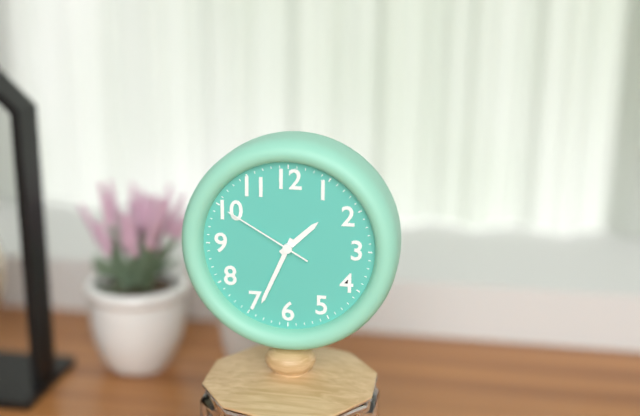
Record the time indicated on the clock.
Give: 1:34:50
